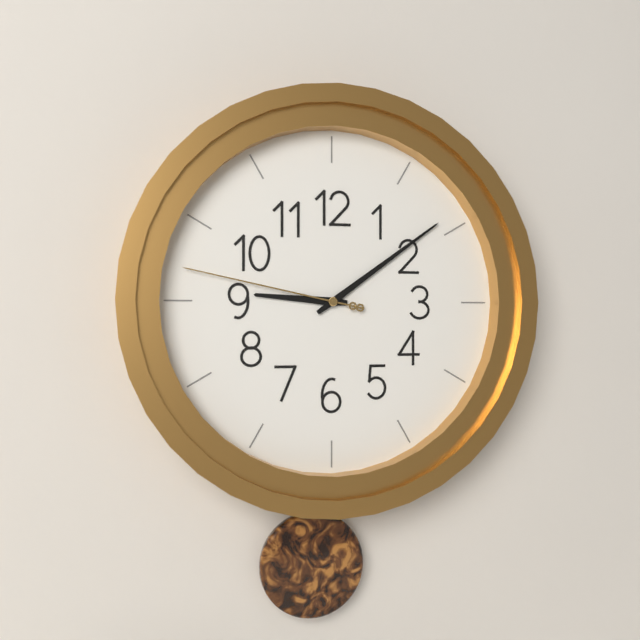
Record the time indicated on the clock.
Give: 9:09:47
